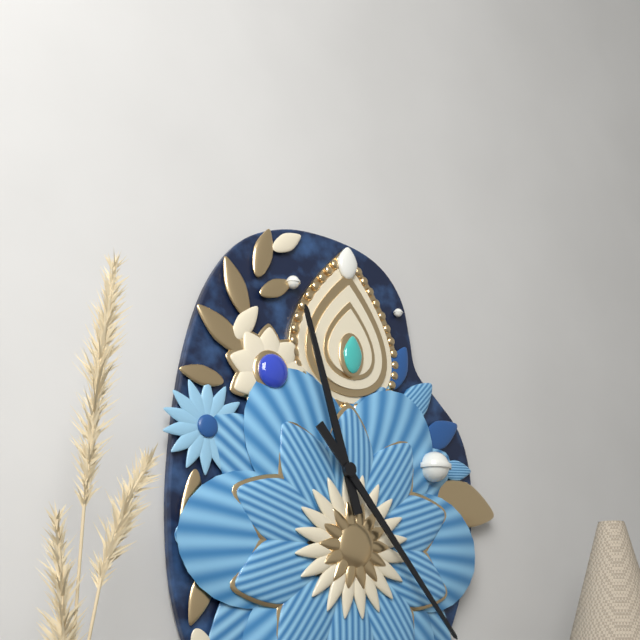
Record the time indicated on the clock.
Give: 11:23
